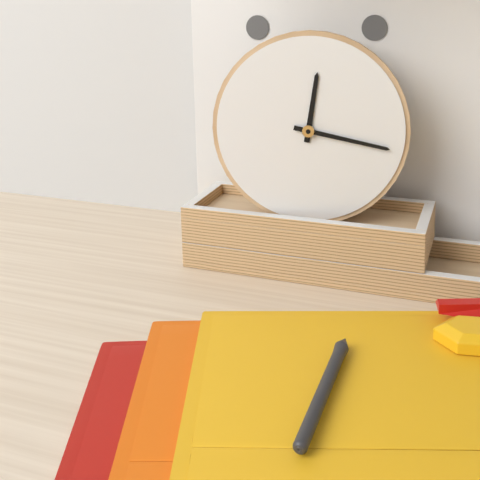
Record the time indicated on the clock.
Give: 12:17
